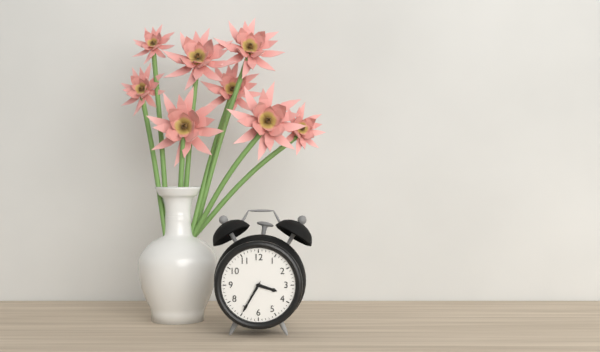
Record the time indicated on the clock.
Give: 3:35
